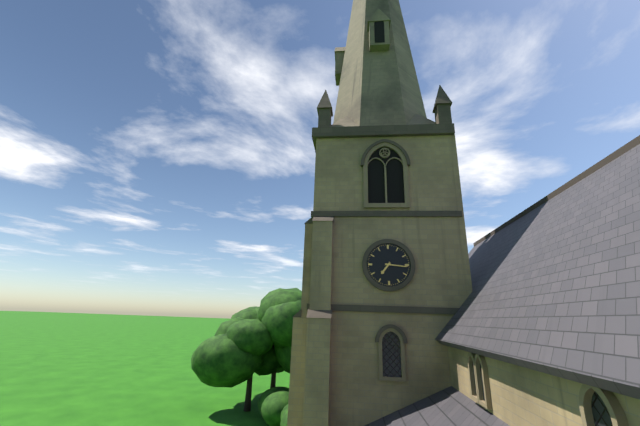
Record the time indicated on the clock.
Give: 7:16
